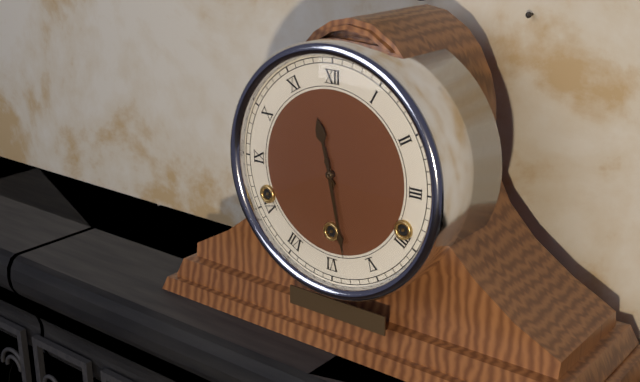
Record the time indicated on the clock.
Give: 11:28
